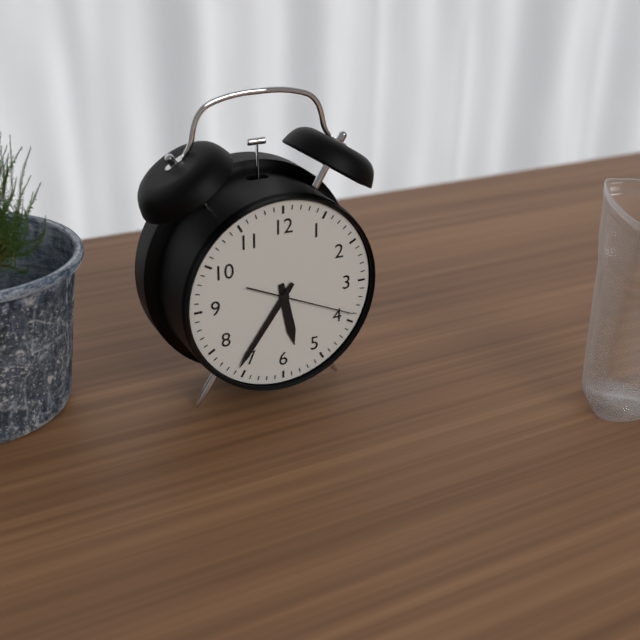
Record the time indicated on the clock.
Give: 5:36:19
